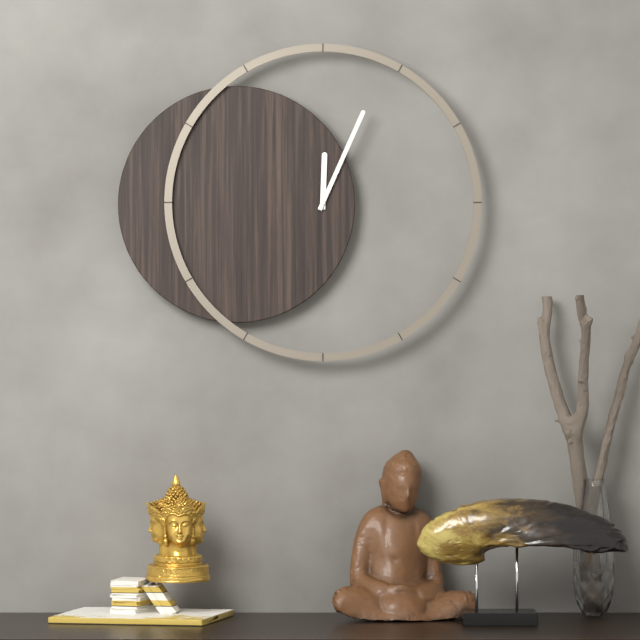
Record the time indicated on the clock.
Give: 12:04
